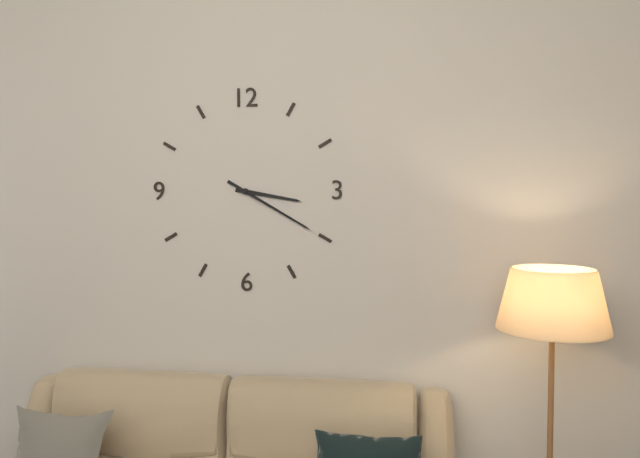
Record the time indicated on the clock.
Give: 3:20
